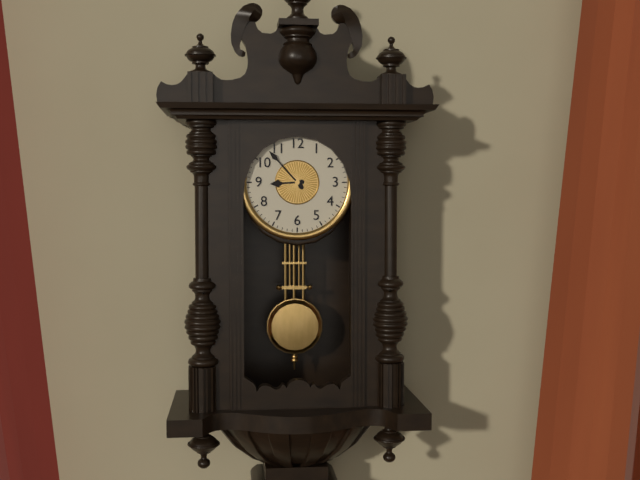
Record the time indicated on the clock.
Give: 8:53
